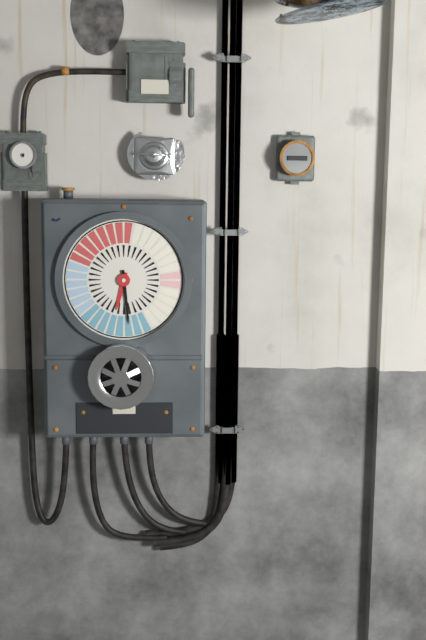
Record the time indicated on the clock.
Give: 6:29
